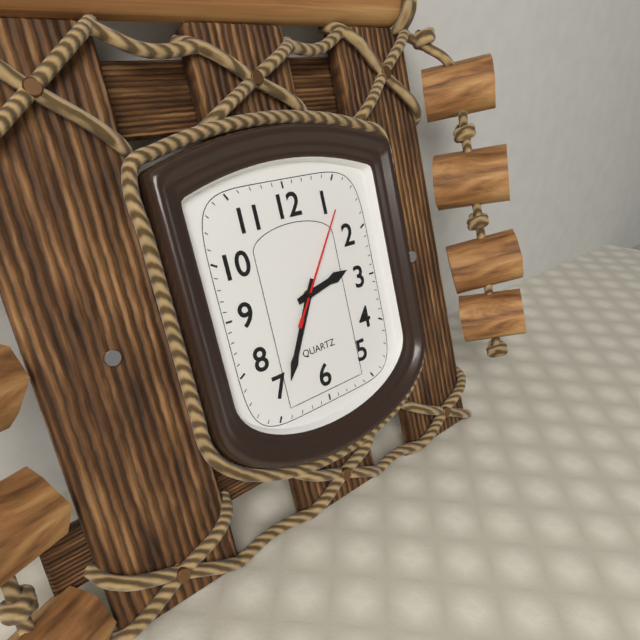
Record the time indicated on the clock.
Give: 2:35:06
